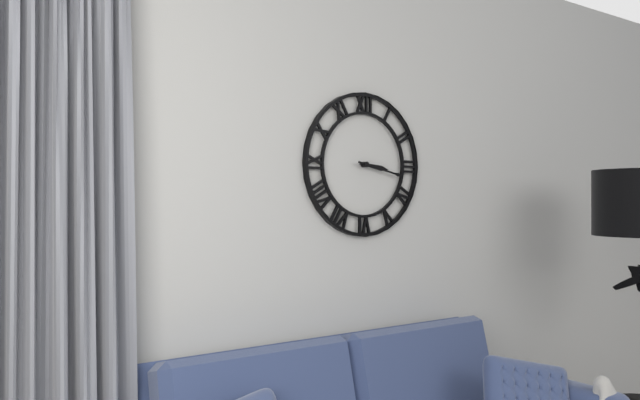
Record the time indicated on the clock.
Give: 3:17
